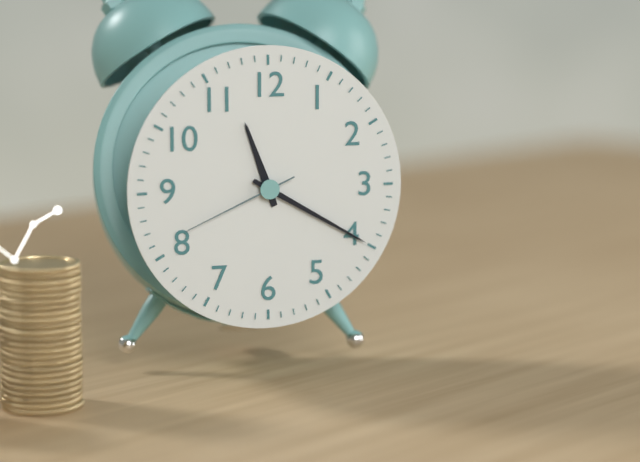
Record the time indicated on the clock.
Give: 11:20:41
